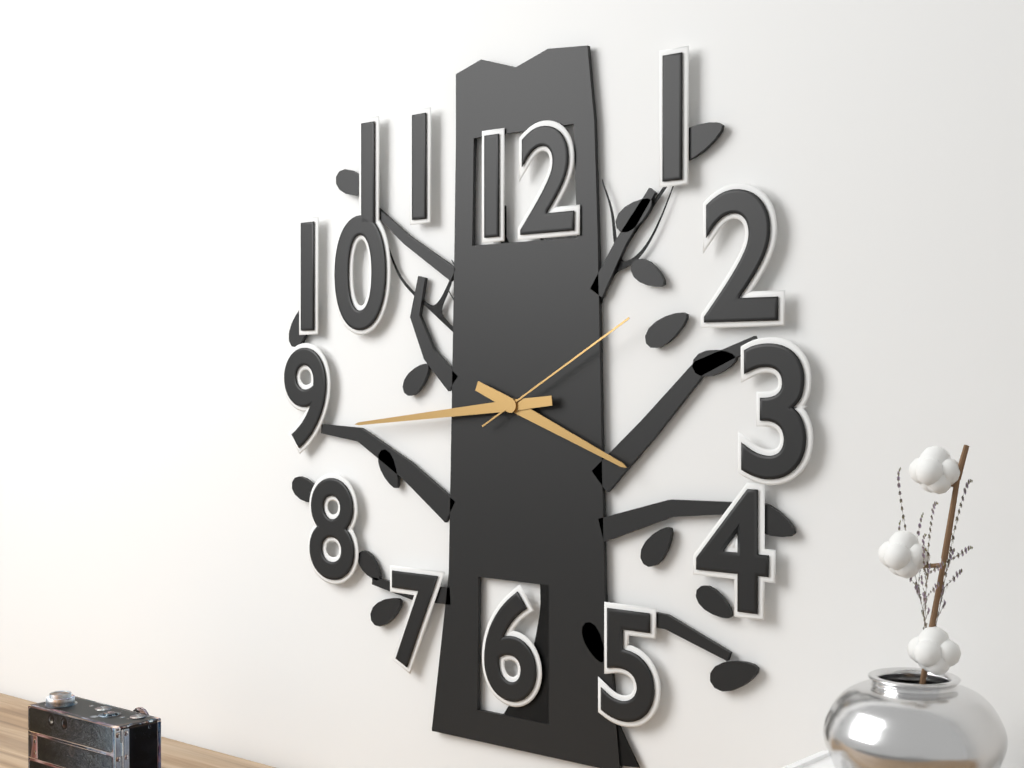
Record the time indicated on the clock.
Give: 3:44:10
